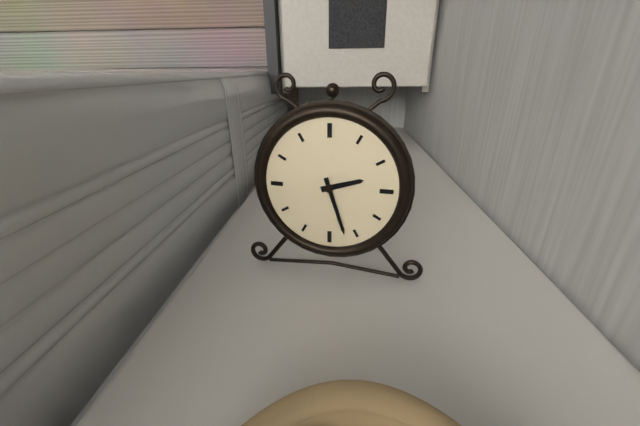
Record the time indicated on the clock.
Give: 2:27
